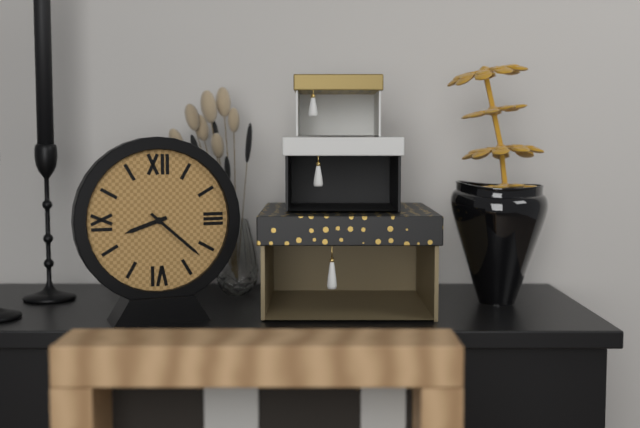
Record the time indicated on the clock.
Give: 8:22
